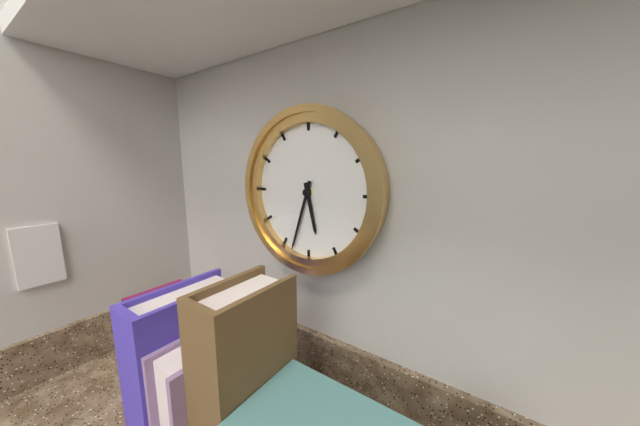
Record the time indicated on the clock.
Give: 5:33
